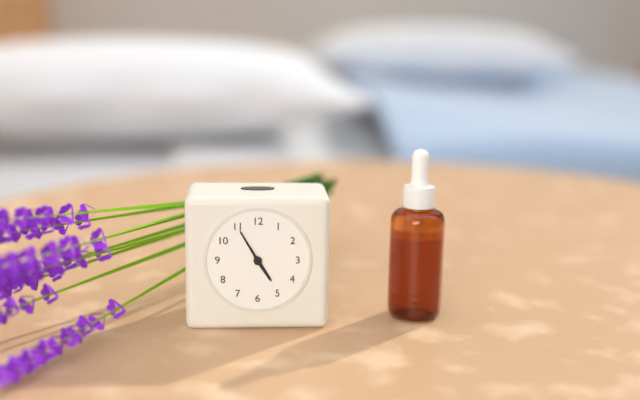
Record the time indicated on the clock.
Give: 4:55
